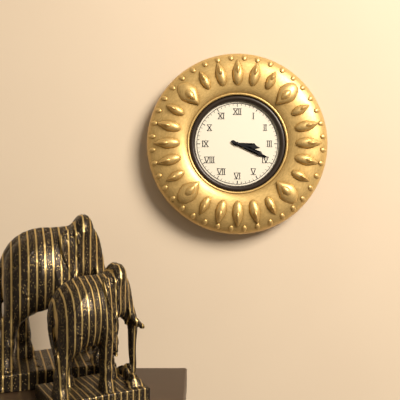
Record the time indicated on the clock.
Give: 3:19
